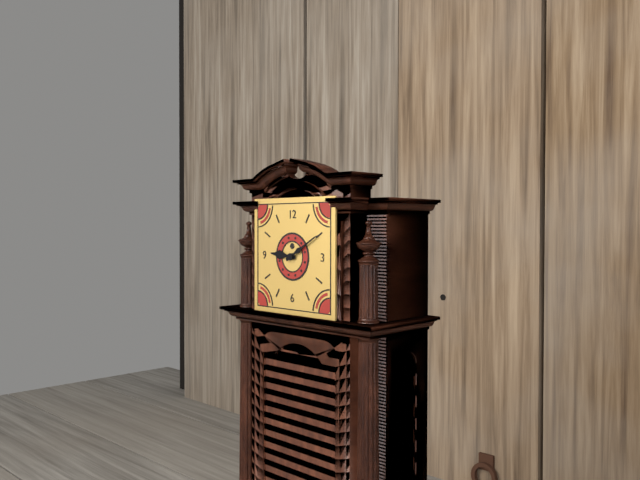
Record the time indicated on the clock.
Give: 9:10
